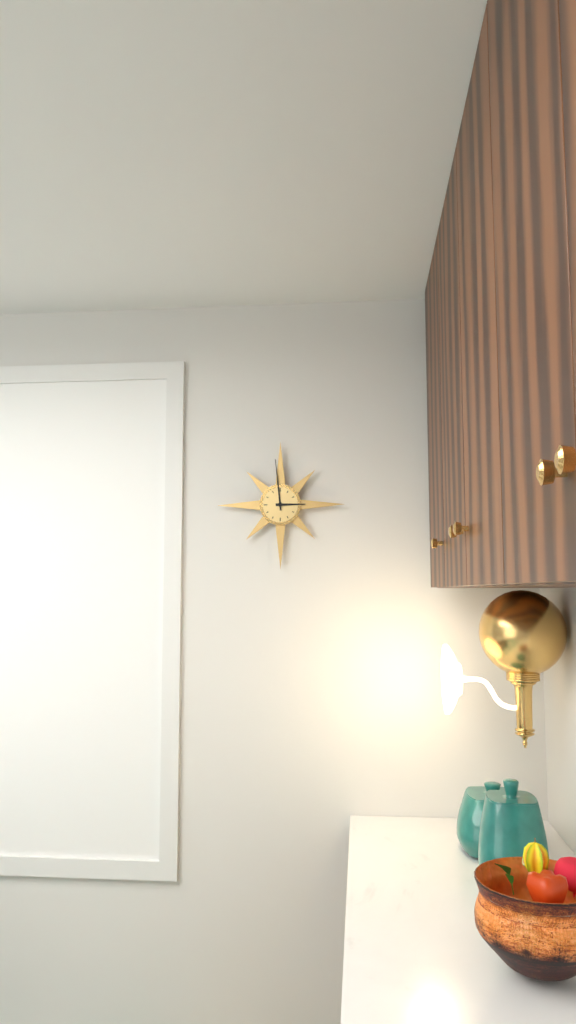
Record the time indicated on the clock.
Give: 2:59
